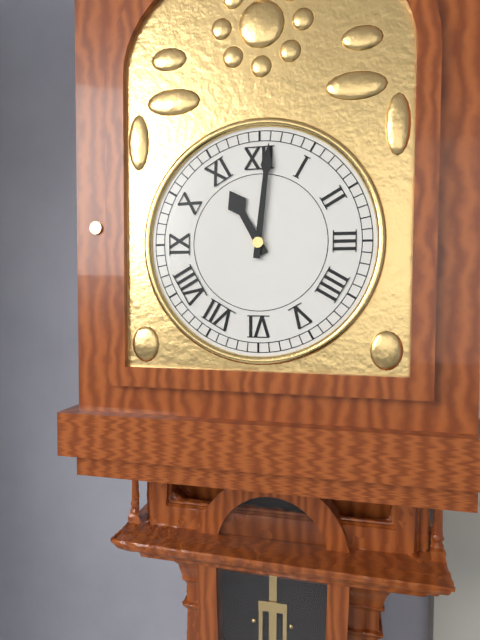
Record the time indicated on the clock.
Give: 11:01
